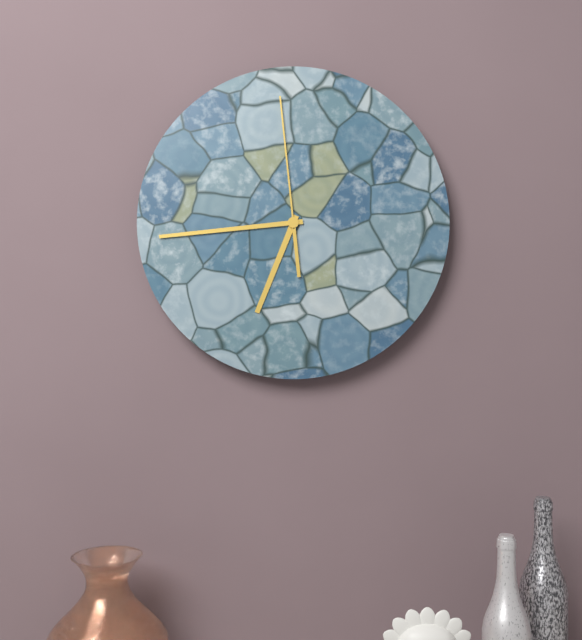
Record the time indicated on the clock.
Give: 6:44:59
